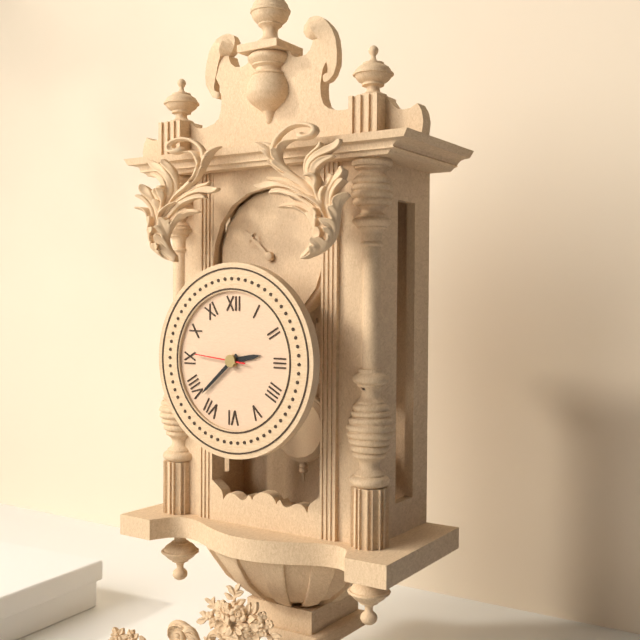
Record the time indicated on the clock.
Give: 2:38
